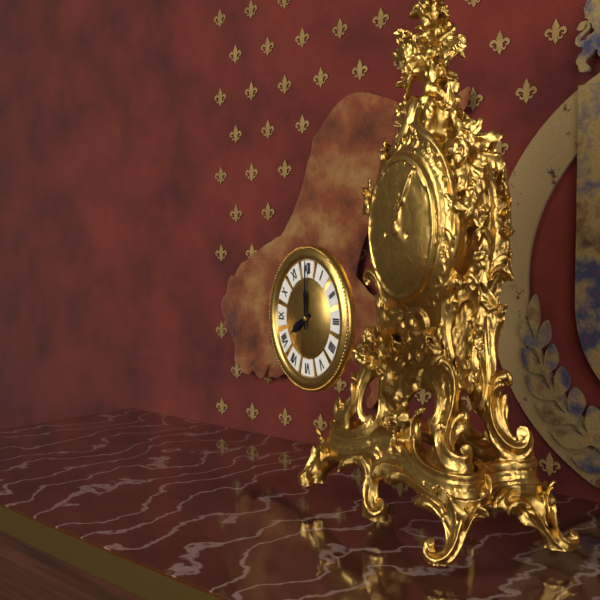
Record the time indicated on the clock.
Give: 8:00
